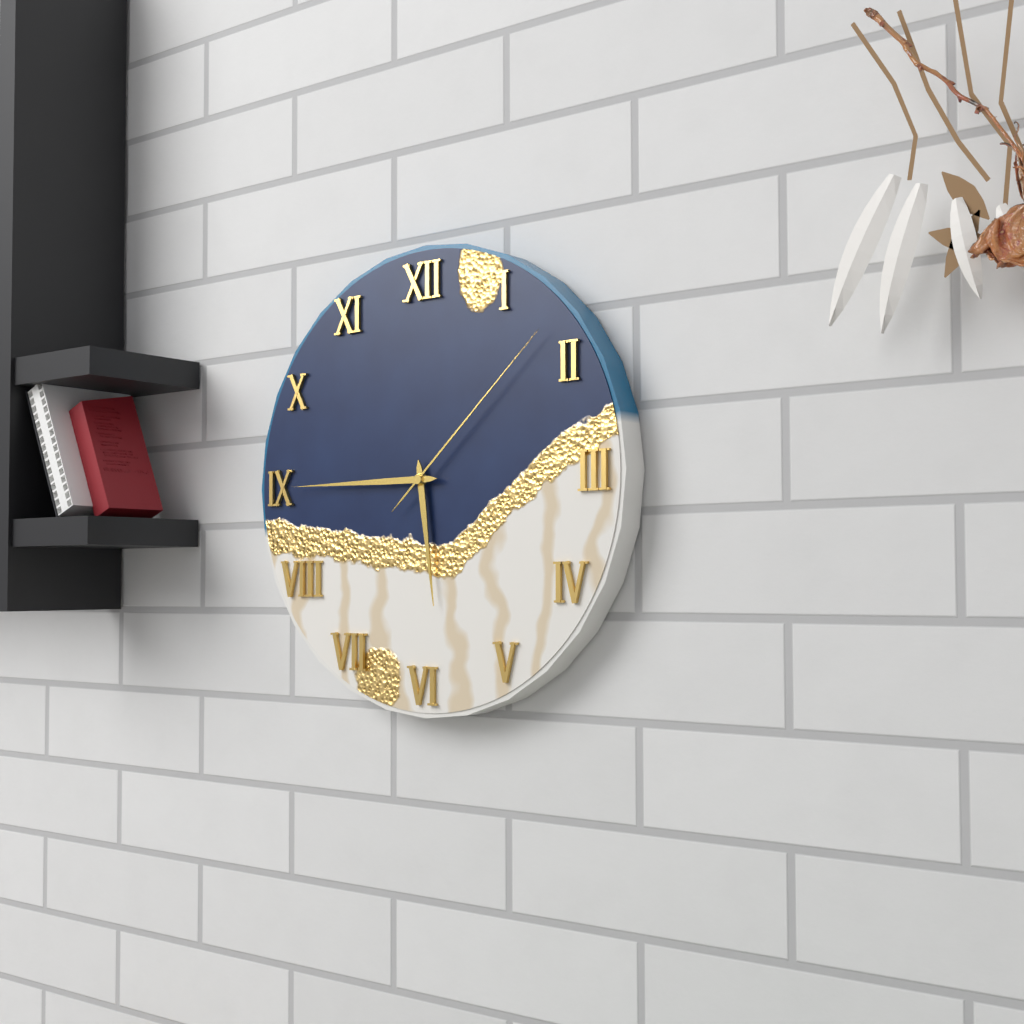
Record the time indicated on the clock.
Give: 5:45:08
